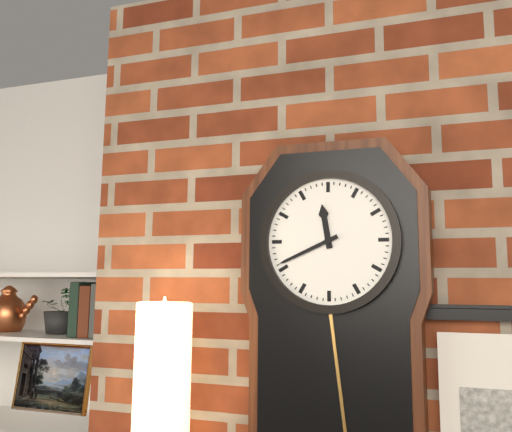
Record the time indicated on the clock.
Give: 11:41
